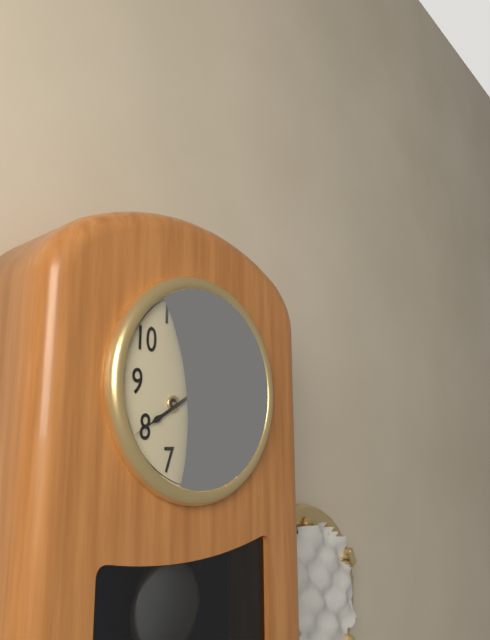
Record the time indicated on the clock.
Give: 1:40
